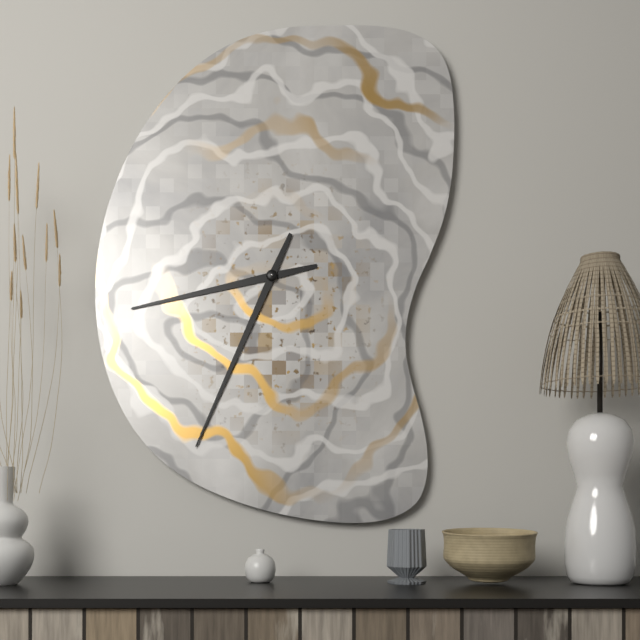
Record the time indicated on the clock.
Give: 8:34
